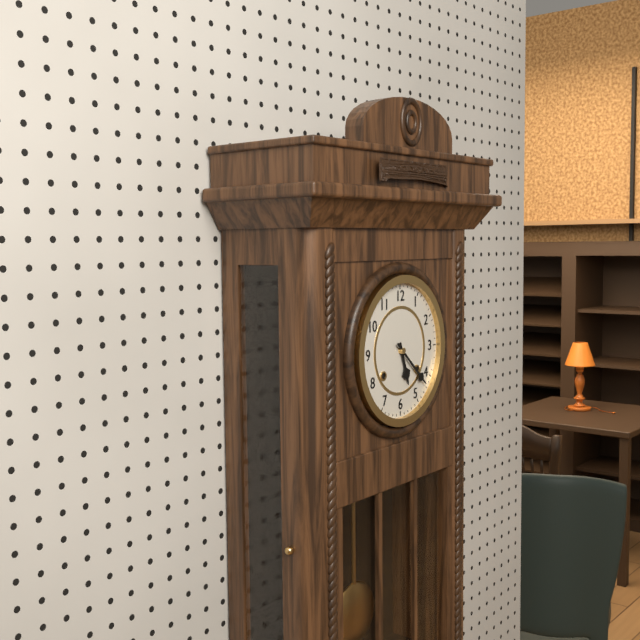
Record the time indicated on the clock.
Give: 5:22
